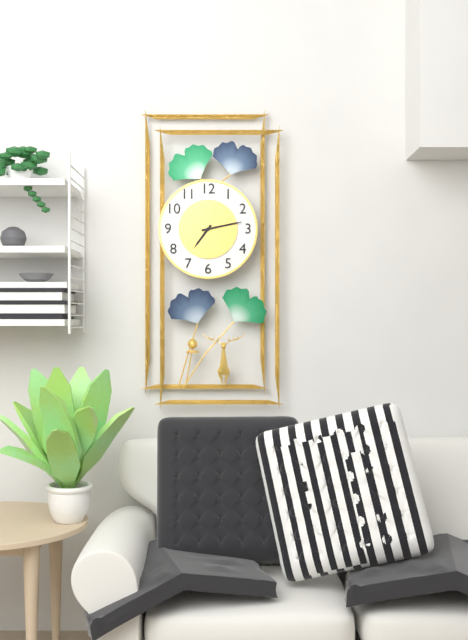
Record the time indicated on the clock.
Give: 7:13
